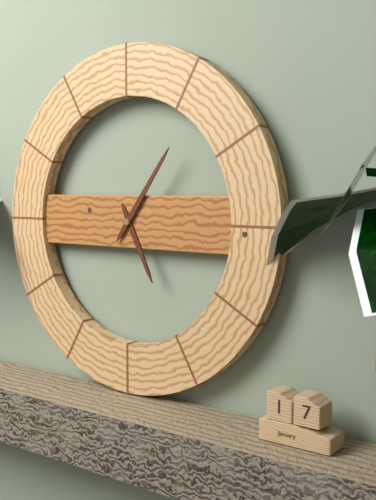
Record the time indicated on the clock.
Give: 5:06
